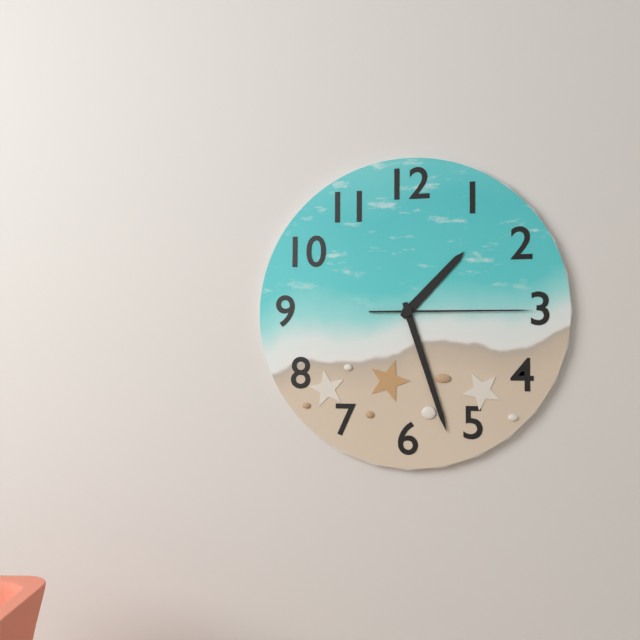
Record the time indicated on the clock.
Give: 1:27:15
